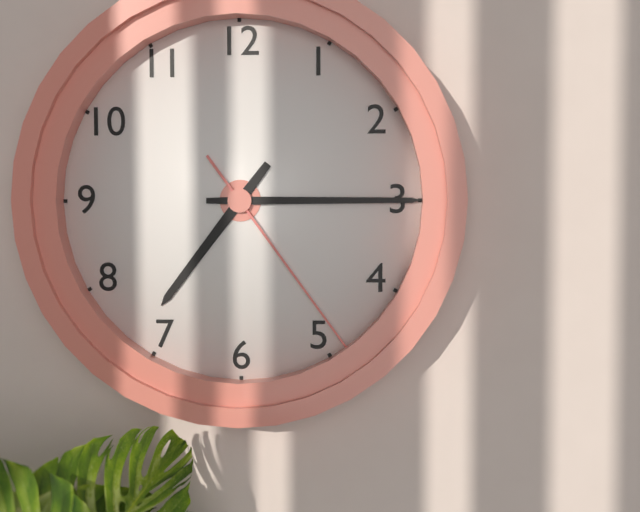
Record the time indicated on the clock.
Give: 7:15:24
